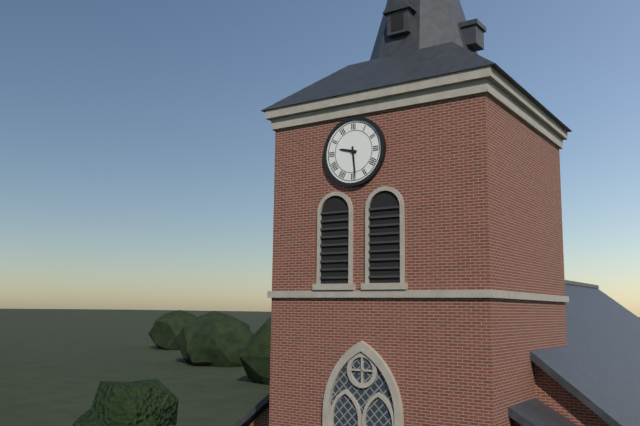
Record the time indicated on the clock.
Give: 9:29
